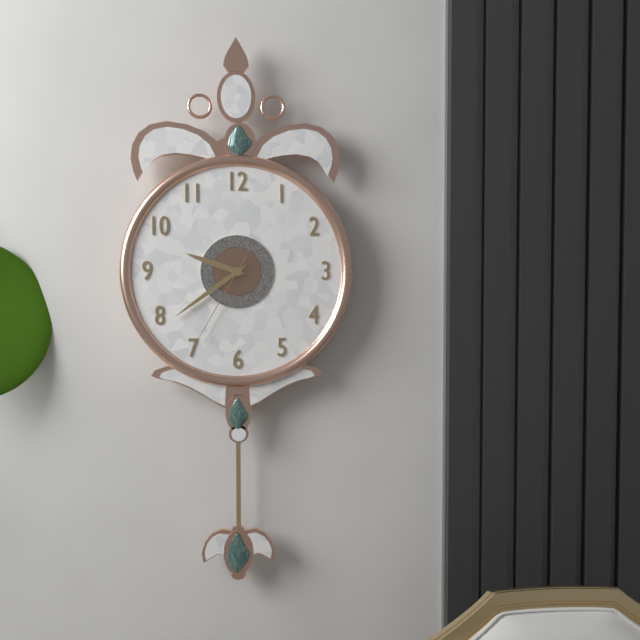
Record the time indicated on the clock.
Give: 9:39:35
